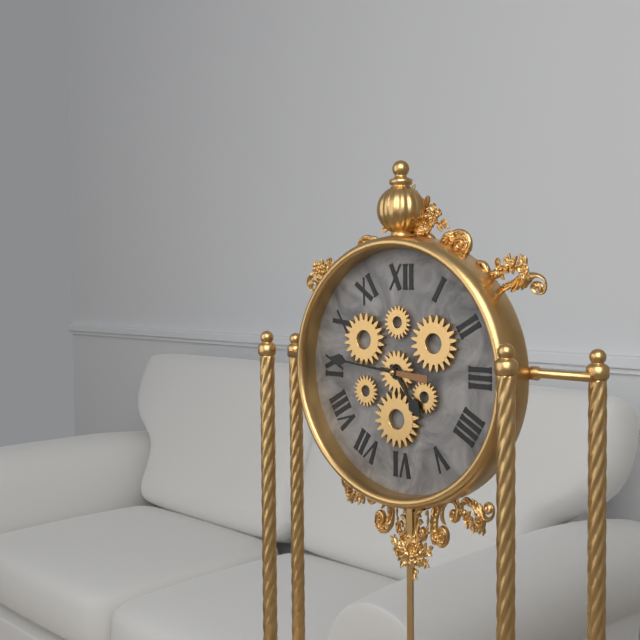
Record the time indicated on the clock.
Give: 4:46
